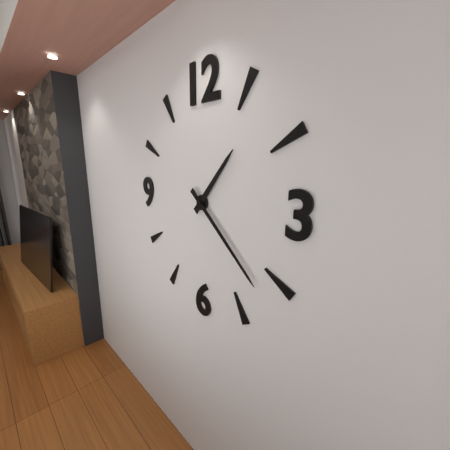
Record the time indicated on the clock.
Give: 1:22
